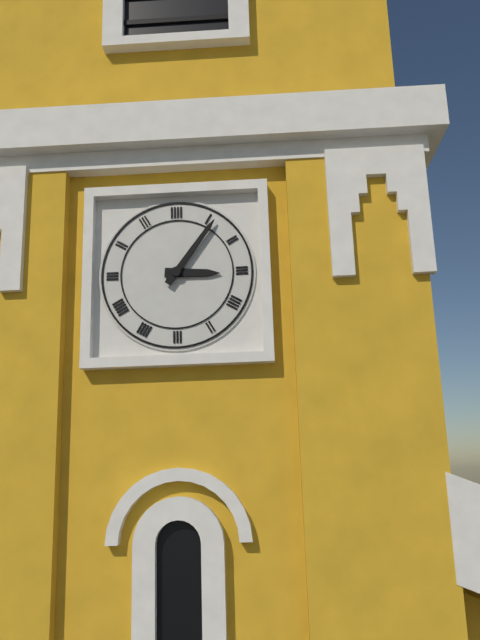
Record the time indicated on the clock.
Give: 3:06
